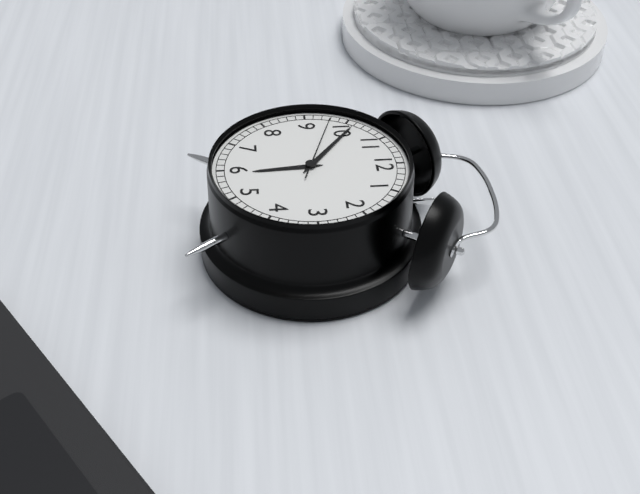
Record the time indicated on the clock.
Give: 5:51:48
